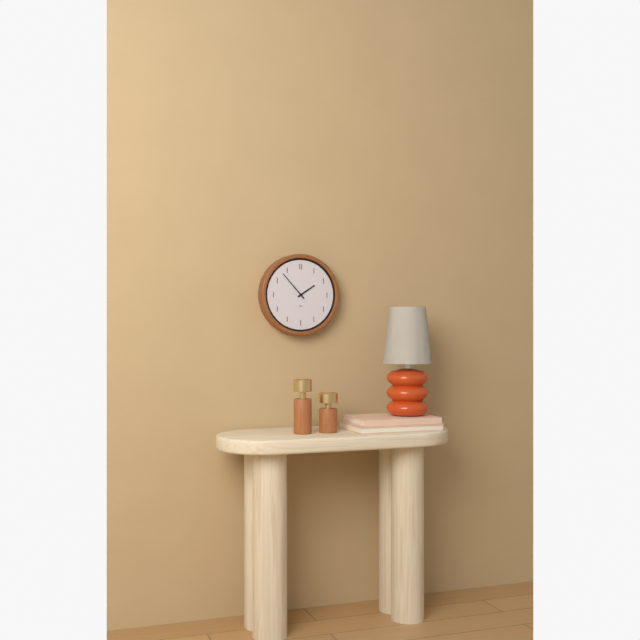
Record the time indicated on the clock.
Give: 1:53
